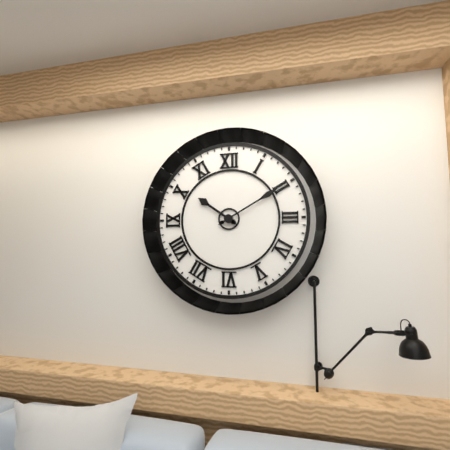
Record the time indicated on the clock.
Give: 10:10
